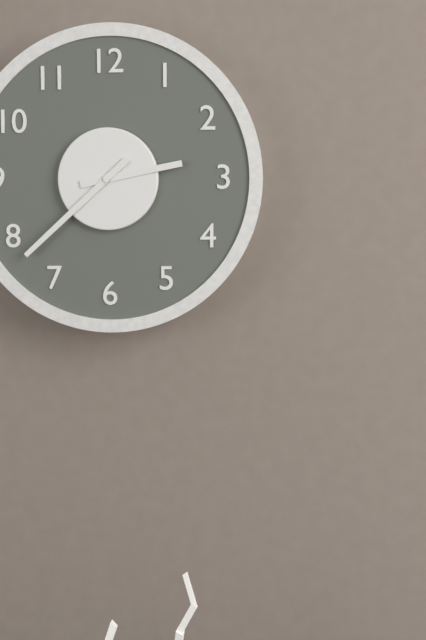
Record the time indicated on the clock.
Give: 2:38
